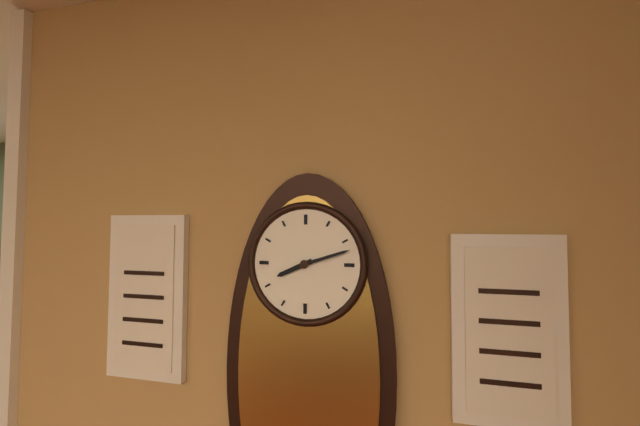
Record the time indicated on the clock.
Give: 8:12
